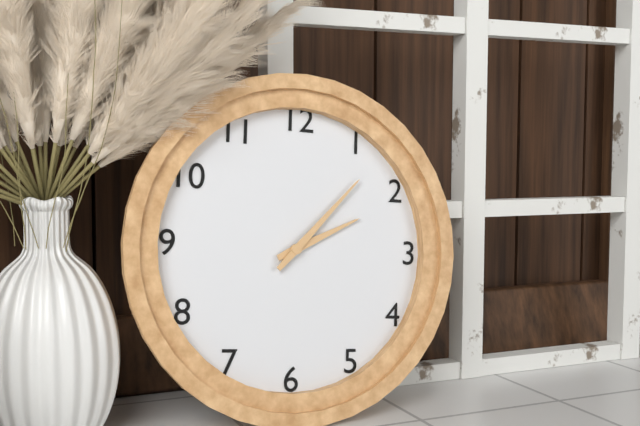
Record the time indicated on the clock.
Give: 2:07
